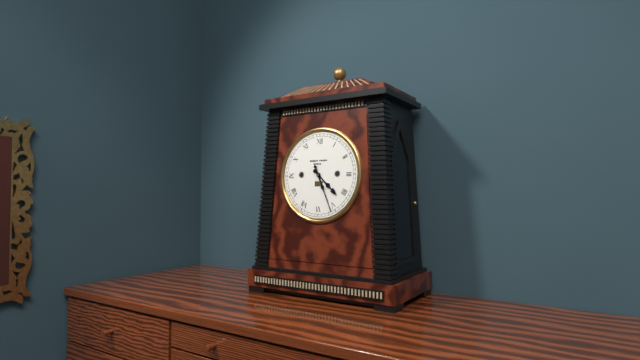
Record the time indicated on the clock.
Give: 4:26
